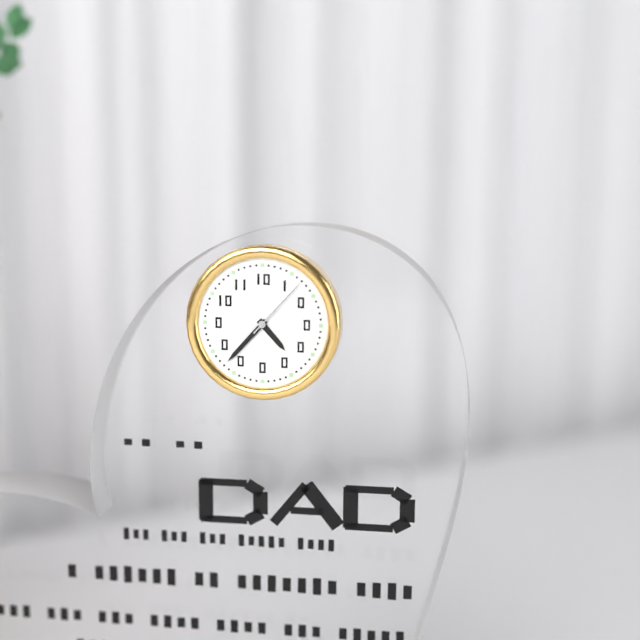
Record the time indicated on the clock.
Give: 4:37:07
